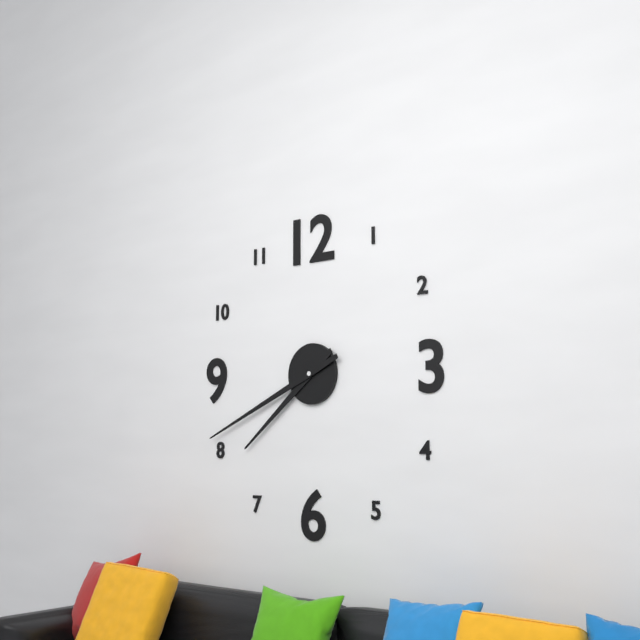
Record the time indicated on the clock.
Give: 7:41
